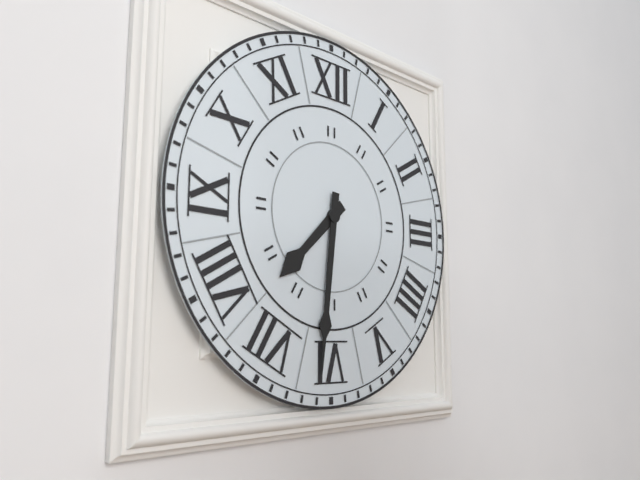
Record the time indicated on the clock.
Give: 7:31
